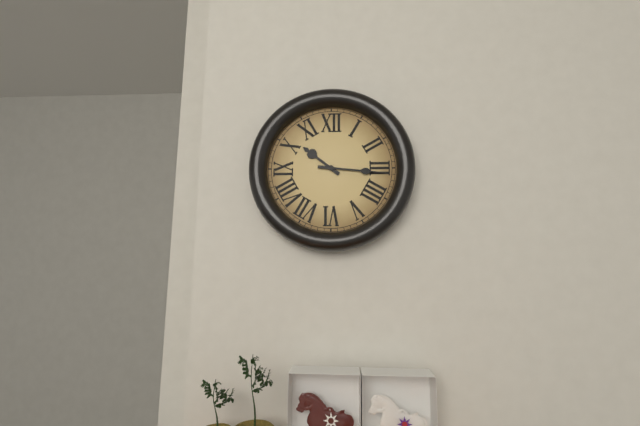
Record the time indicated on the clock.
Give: 10:16
